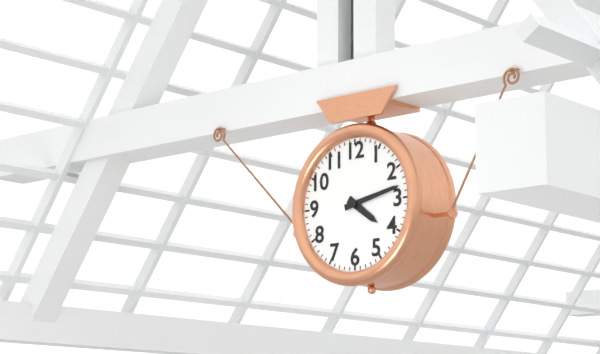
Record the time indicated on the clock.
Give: 4:13
